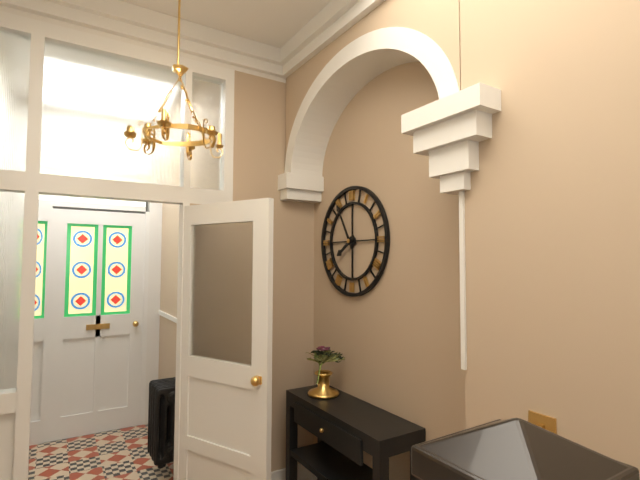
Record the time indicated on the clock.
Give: 7:55
